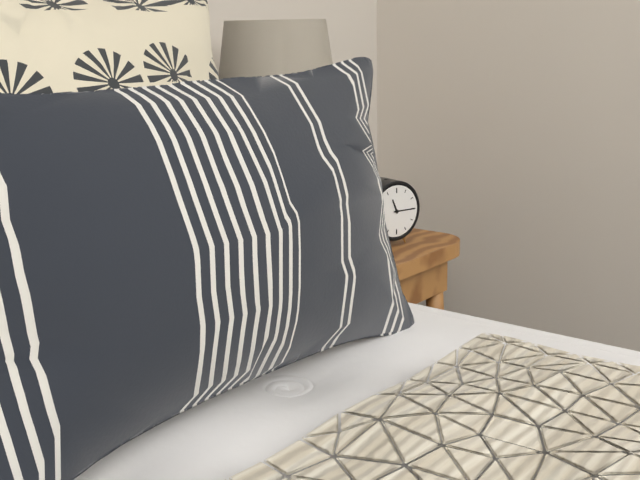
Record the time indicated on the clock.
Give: 11:15
